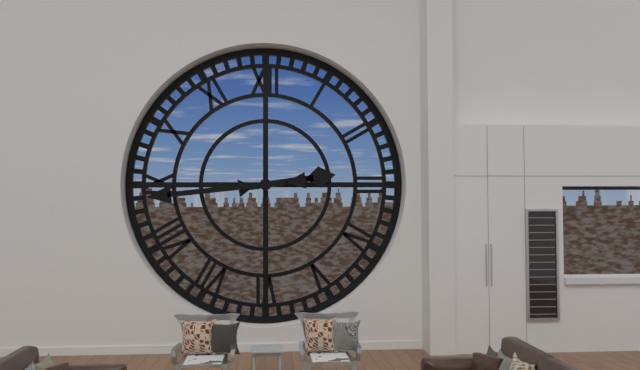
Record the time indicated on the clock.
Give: 2:44
